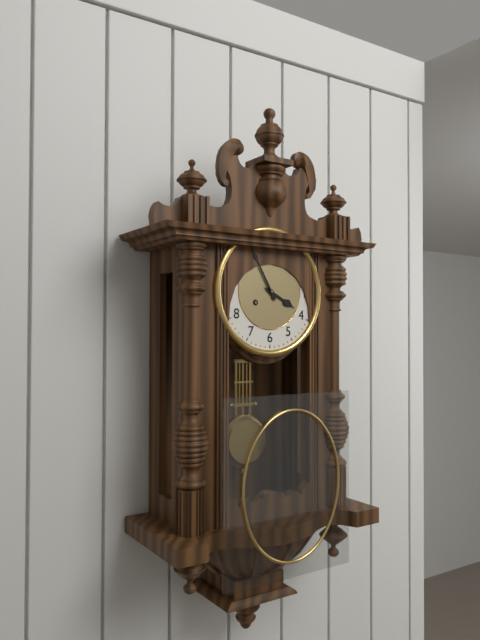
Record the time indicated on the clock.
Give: 3:55
